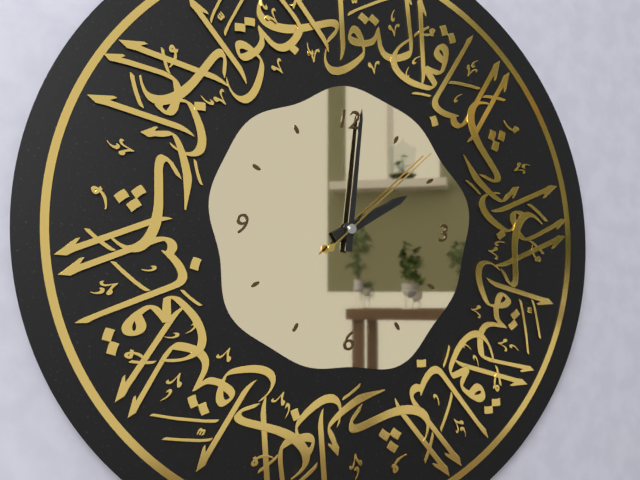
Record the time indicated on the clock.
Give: 2:01:08
